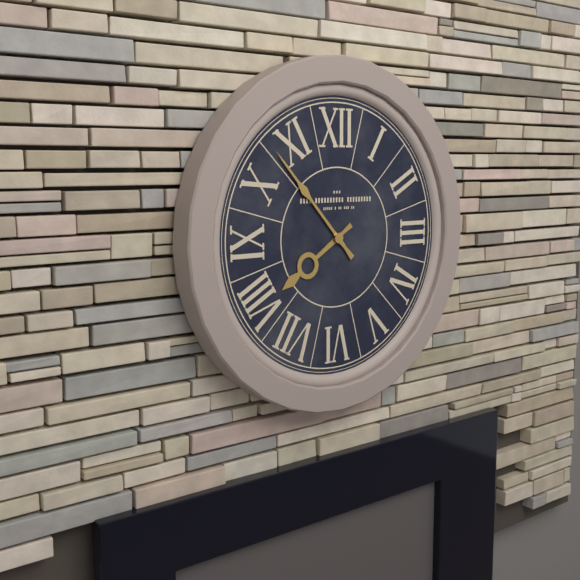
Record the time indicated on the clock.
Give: 7:53
